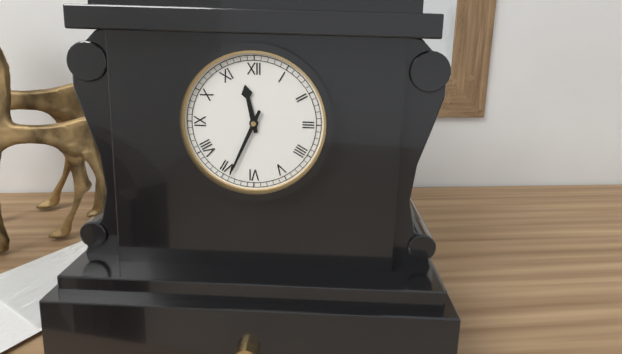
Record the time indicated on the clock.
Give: 11:34
